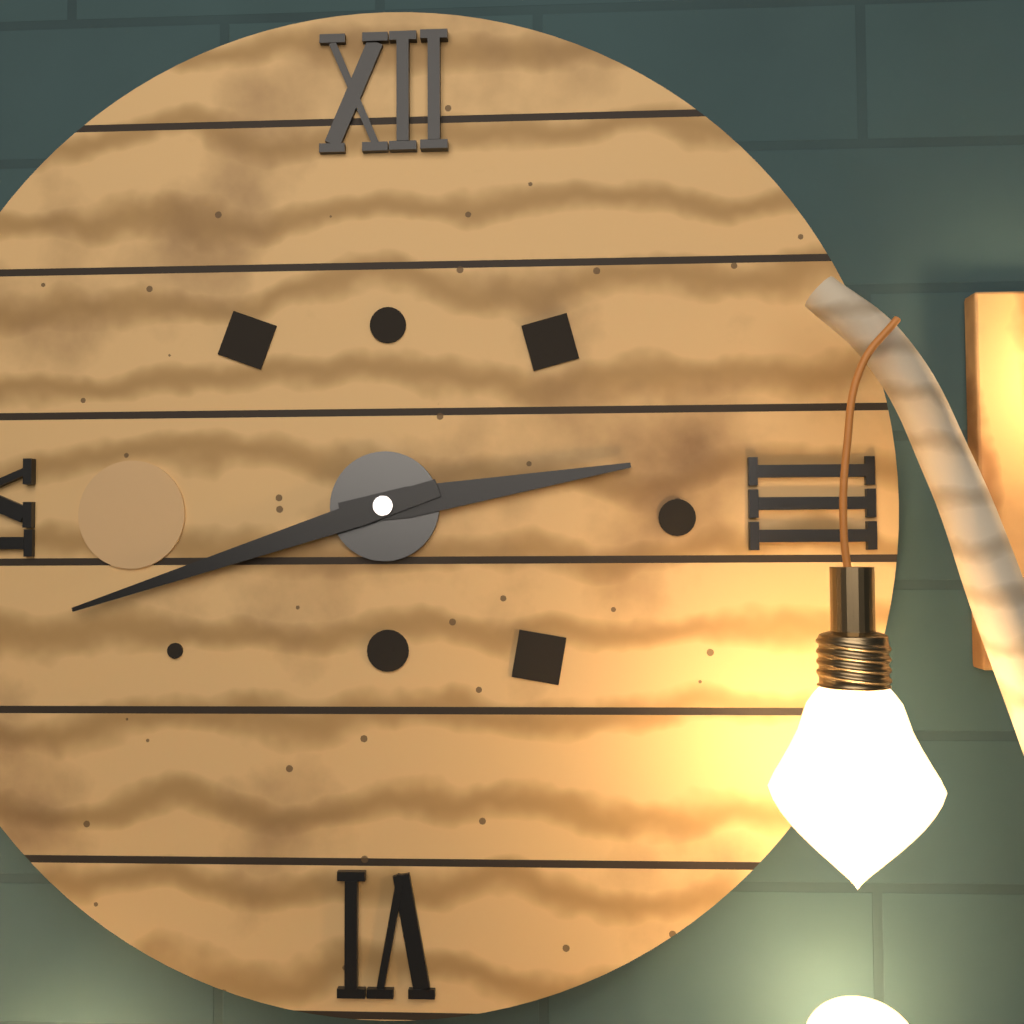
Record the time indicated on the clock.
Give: 2:42
